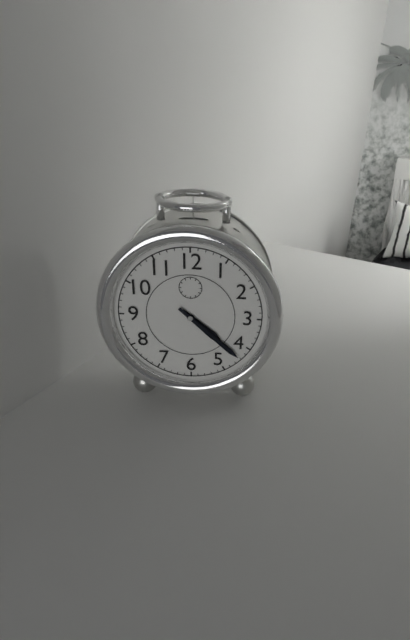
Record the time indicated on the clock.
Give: 4:22
